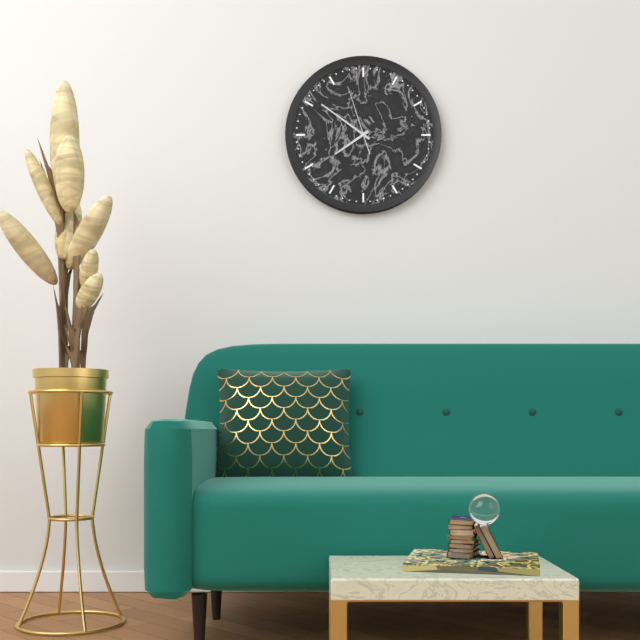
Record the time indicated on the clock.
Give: 7:51:57
